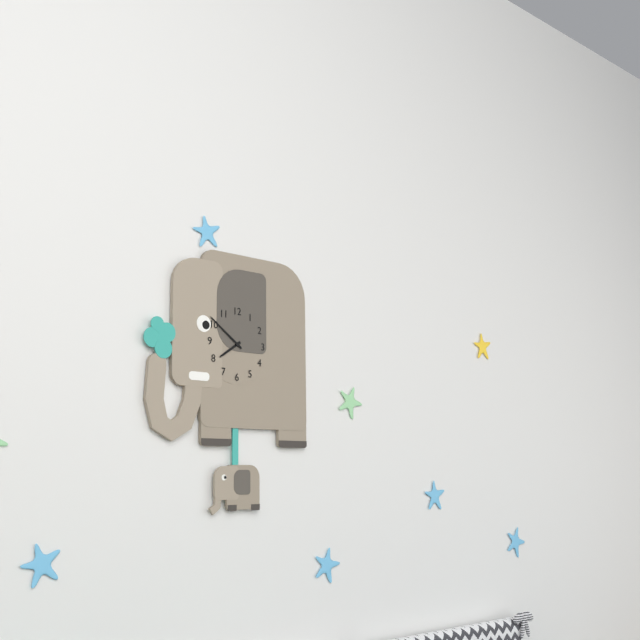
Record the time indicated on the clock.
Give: 7:51
